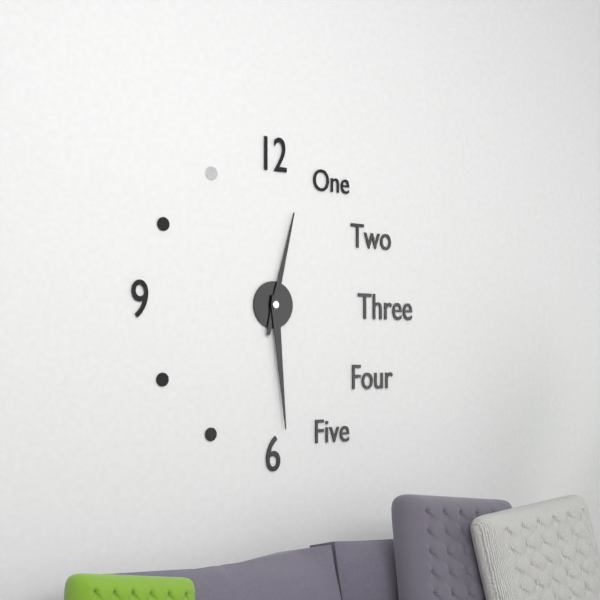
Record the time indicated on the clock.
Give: 12:29
